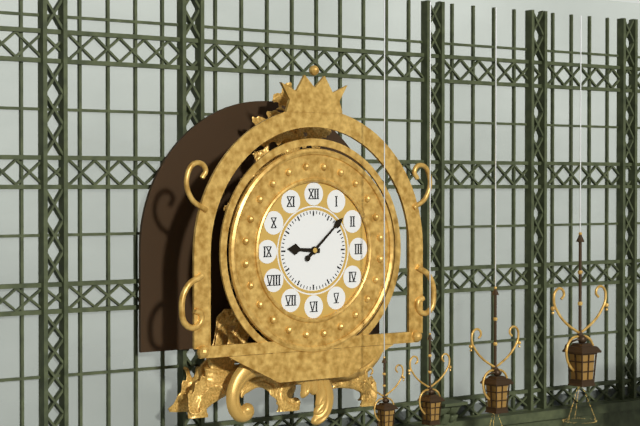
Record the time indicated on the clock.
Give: 9:08
